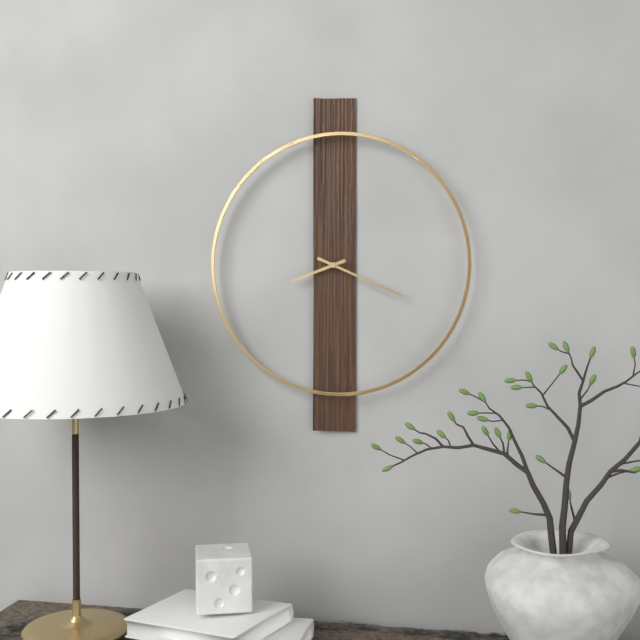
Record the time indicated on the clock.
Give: 8:19
